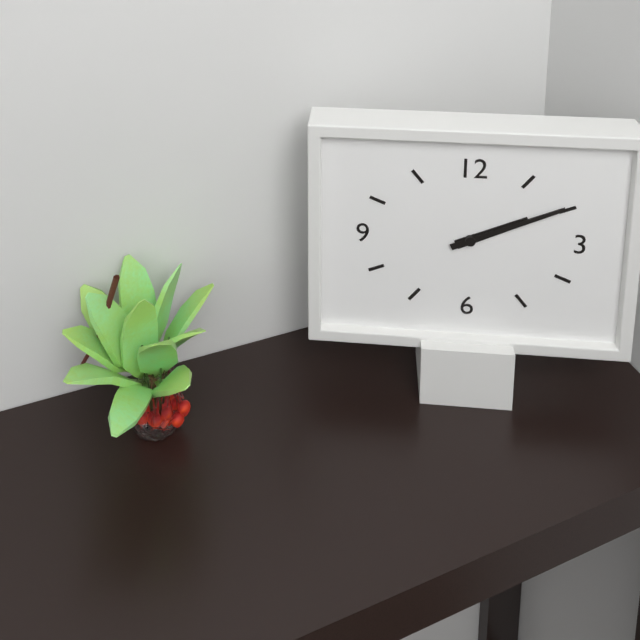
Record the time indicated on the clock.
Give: 2:11
